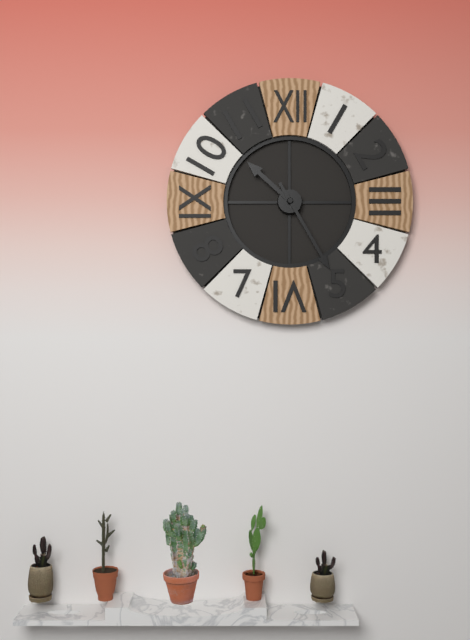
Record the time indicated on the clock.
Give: 10:25
